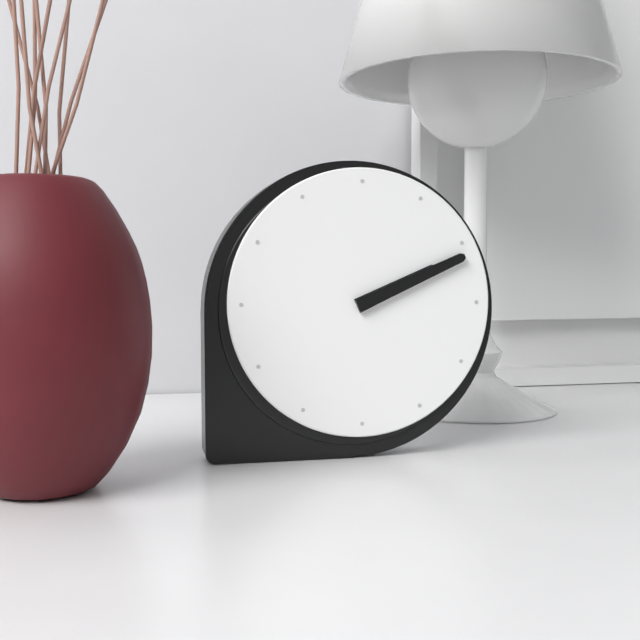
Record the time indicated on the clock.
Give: 2:11
